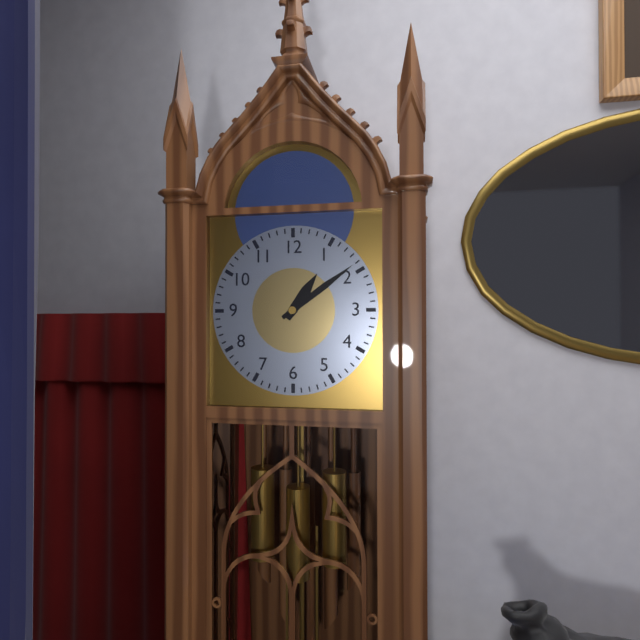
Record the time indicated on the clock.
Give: 1:09
